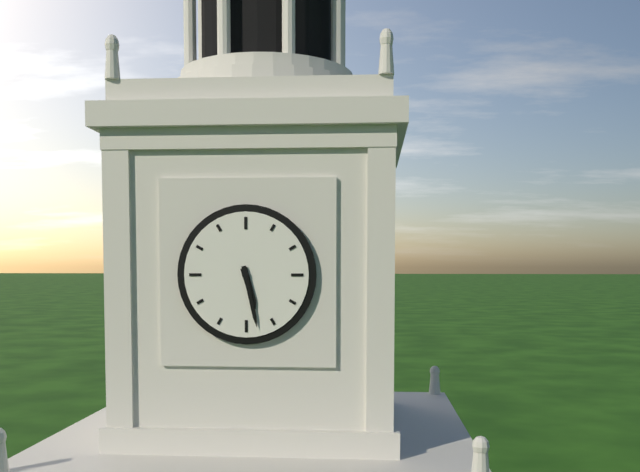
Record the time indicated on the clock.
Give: 5:28
